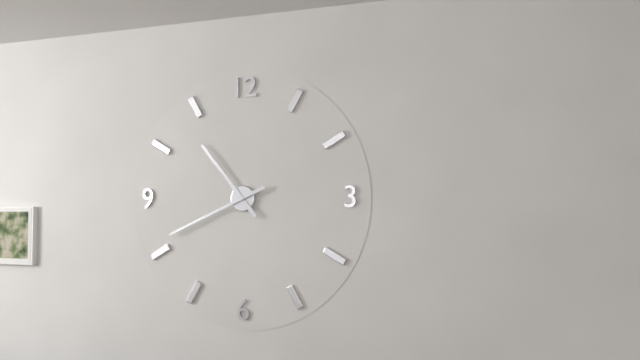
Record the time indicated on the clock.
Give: 10:41
